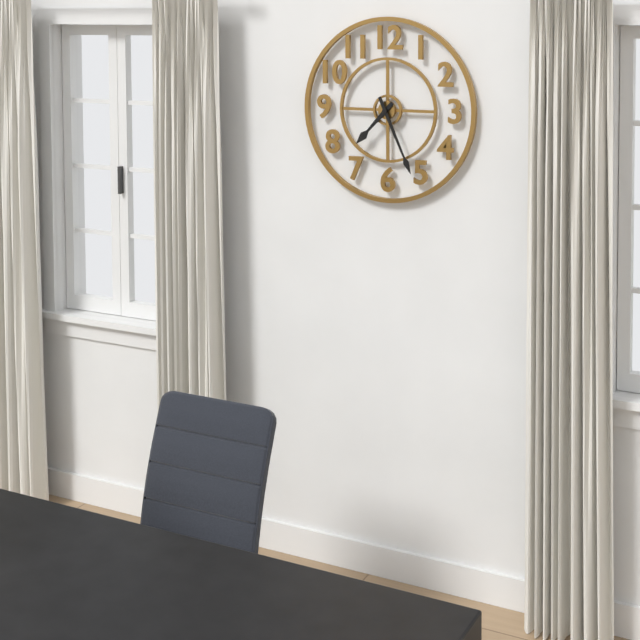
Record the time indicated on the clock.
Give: 7:26
